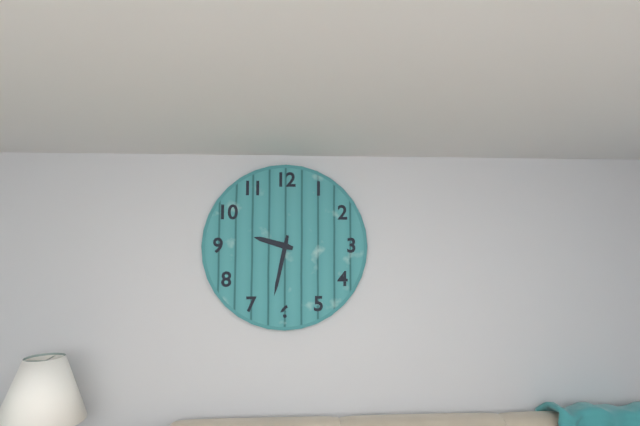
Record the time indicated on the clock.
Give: 9:32
